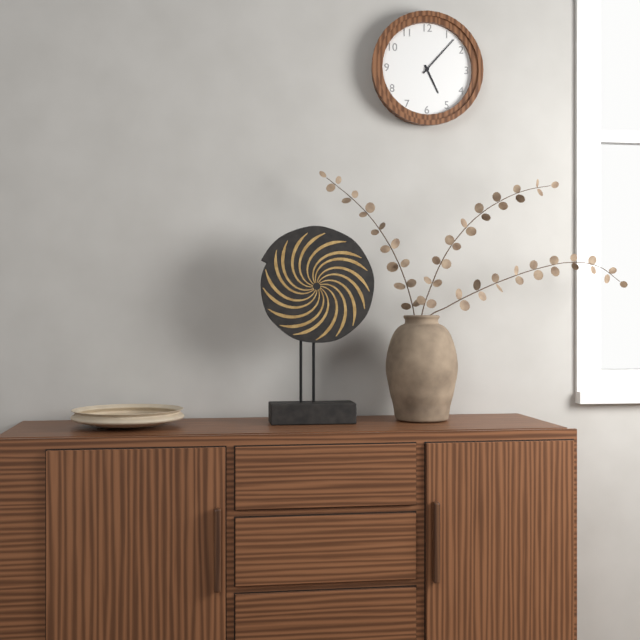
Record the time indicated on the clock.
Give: 5:07
